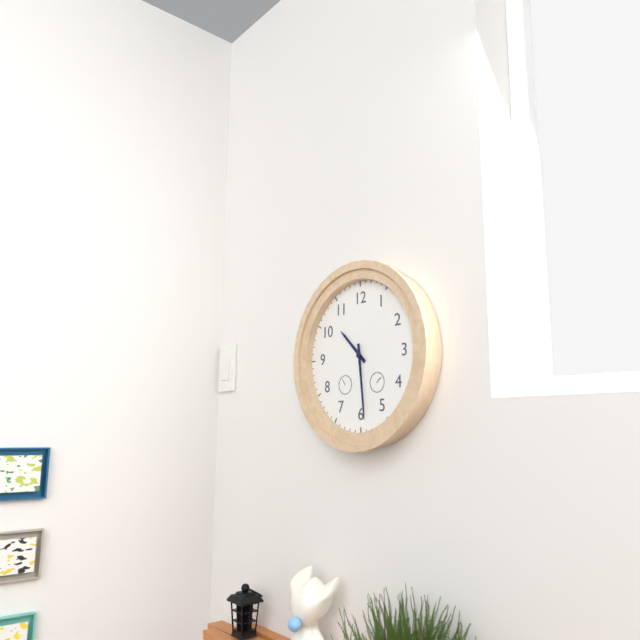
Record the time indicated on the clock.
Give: 10:29
